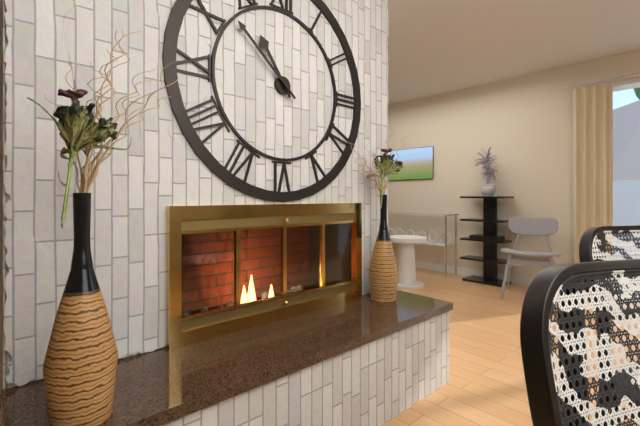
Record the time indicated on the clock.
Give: 10:52
